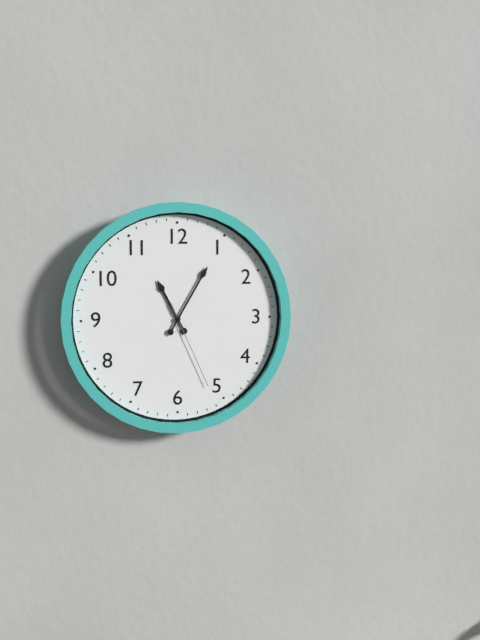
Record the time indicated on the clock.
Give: 11:05:26
